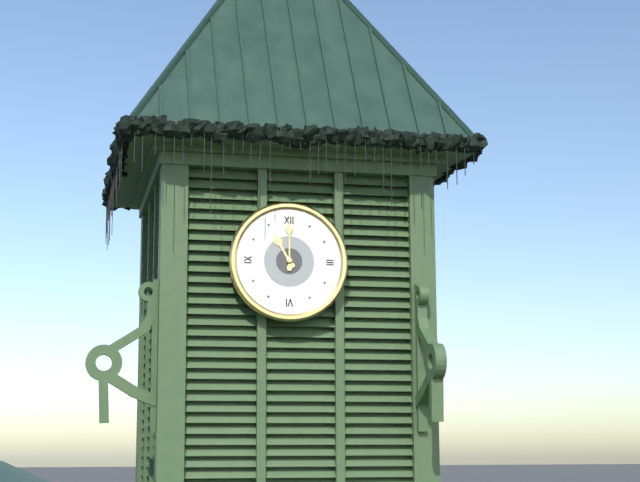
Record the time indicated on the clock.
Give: 11:00
